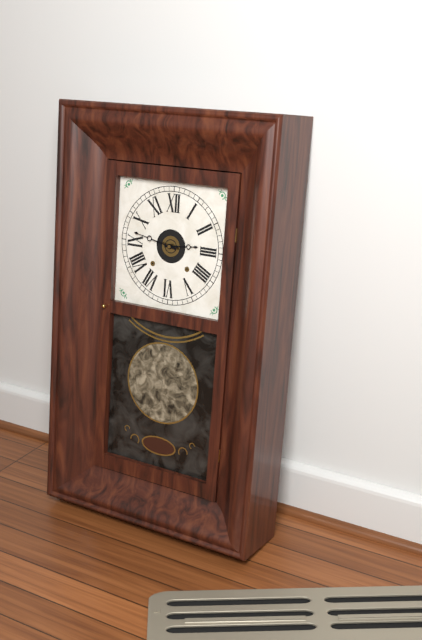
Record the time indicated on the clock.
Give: 2:47
